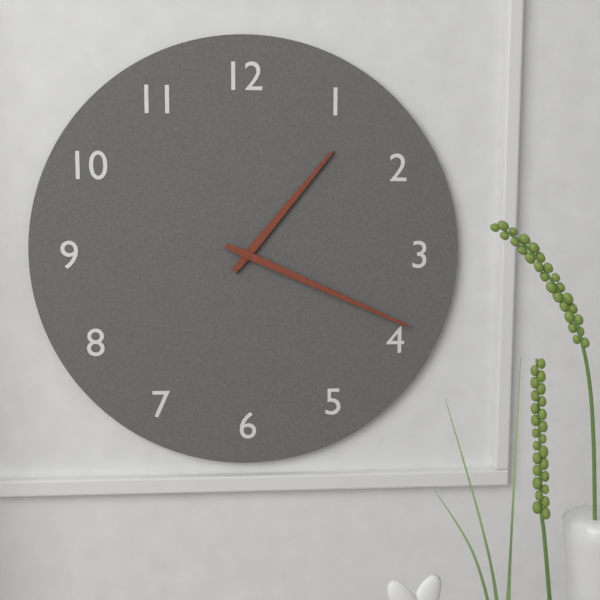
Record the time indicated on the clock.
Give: 1:19
